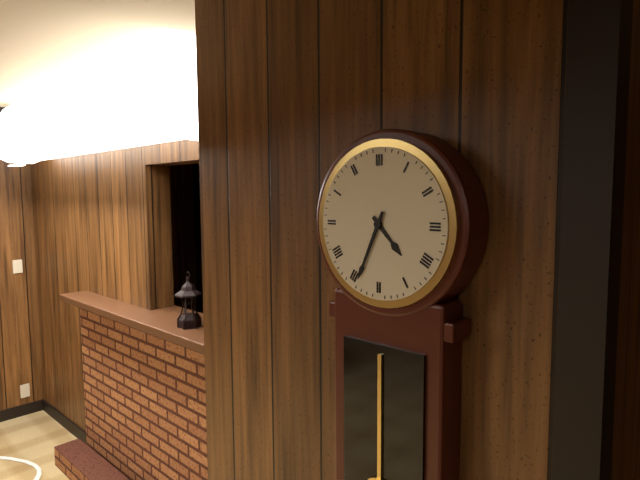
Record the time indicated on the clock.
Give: 4:34
